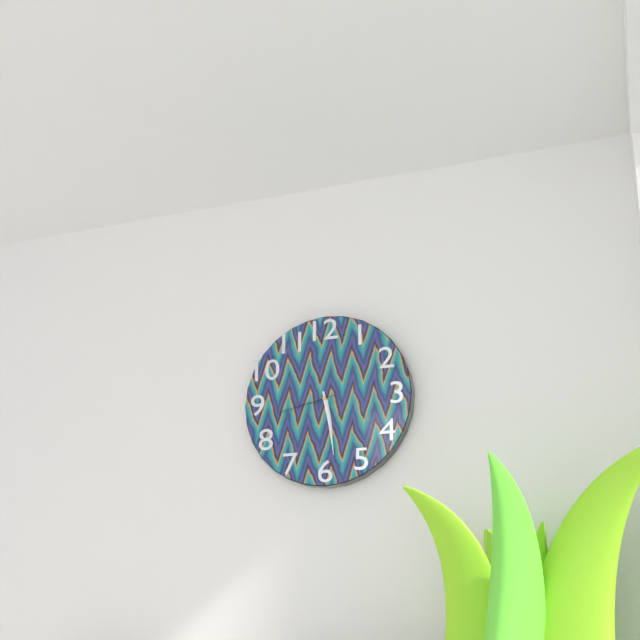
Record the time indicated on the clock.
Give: 5:28:43
